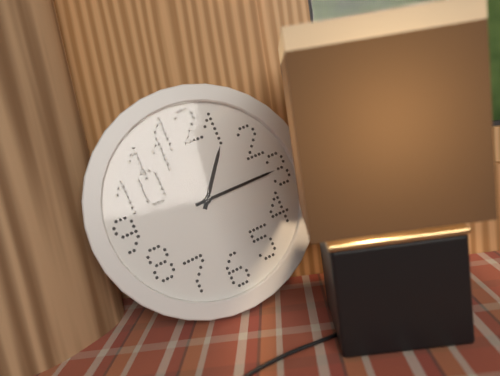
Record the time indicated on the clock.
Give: 1:15
